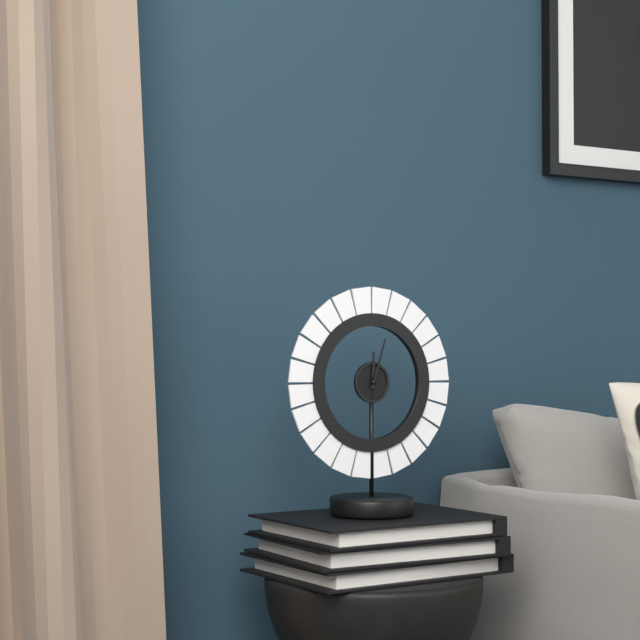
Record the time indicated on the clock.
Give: 12:03
